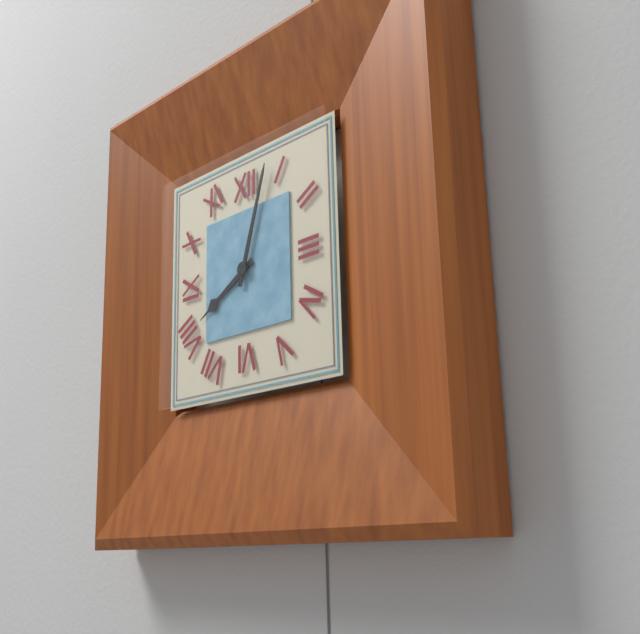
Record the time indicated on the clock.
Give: 8:03
